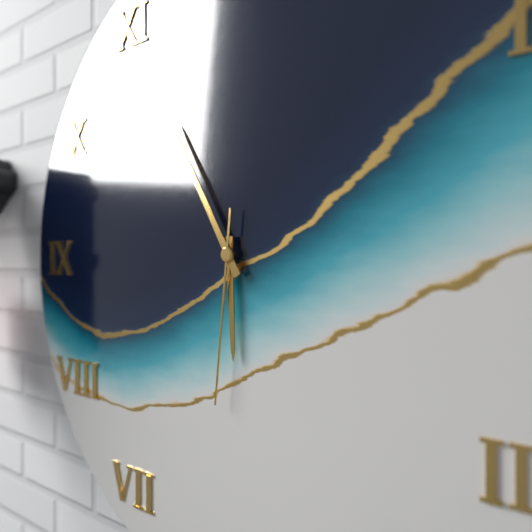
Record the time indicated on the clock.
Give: 5:55:31
